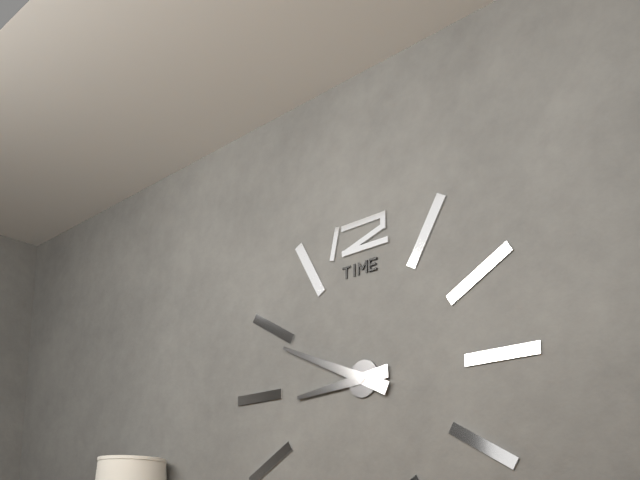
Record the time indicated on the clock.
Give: 8:49
